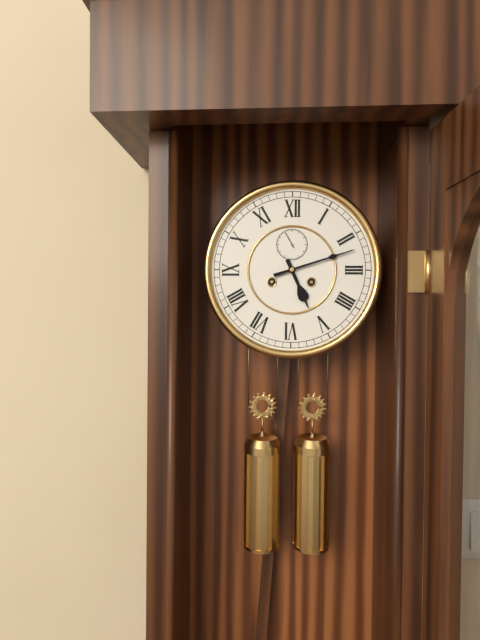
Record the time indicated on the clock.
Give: 5:12
